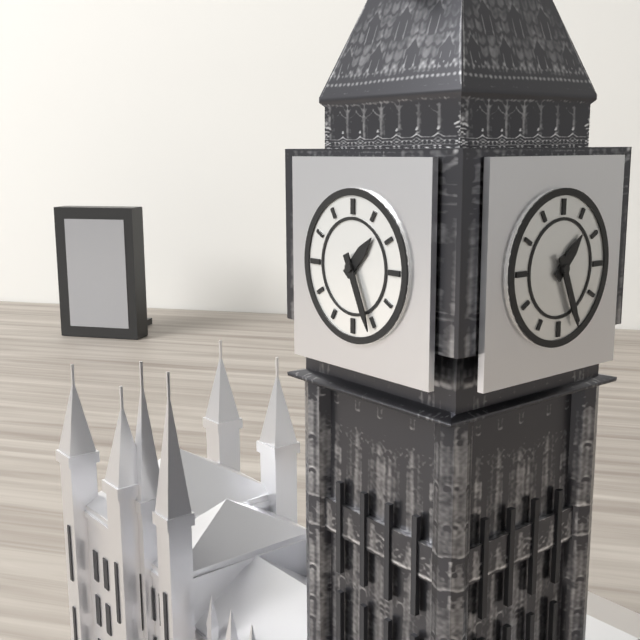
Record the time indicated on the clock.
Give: 1:26
